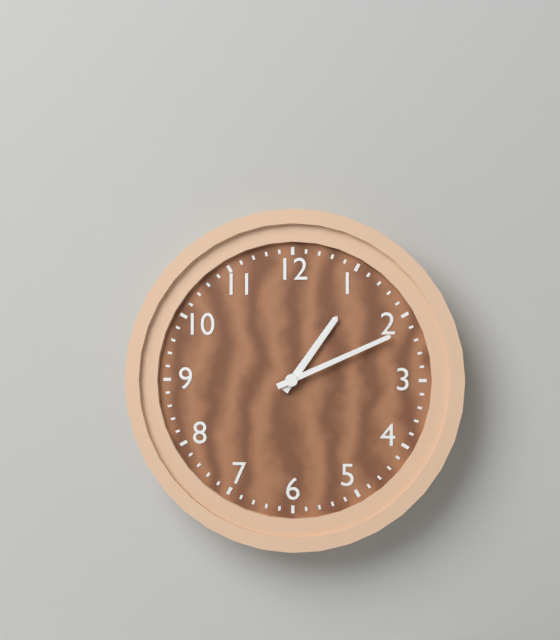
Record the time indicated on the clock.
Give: 1:11
